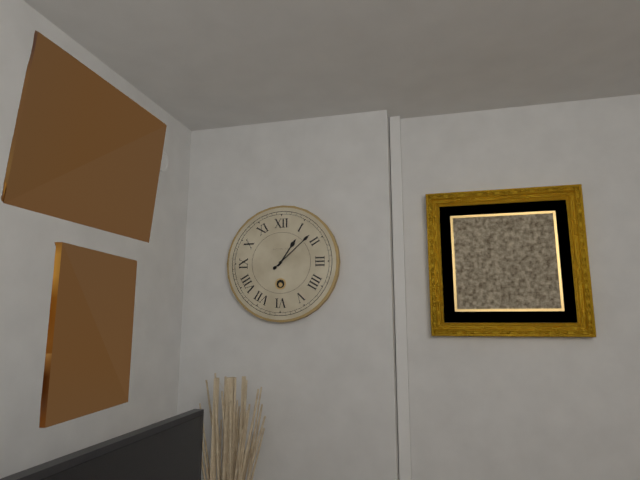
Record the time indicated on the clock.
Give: 1:08
